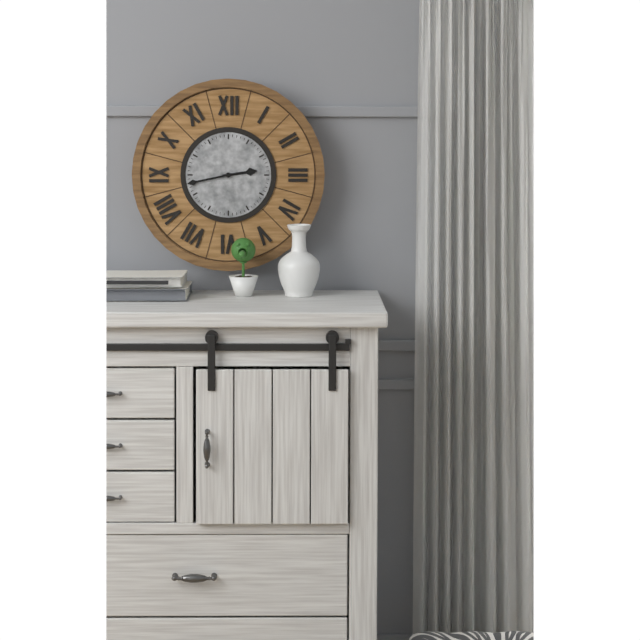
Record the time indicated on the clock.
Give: 2:43
